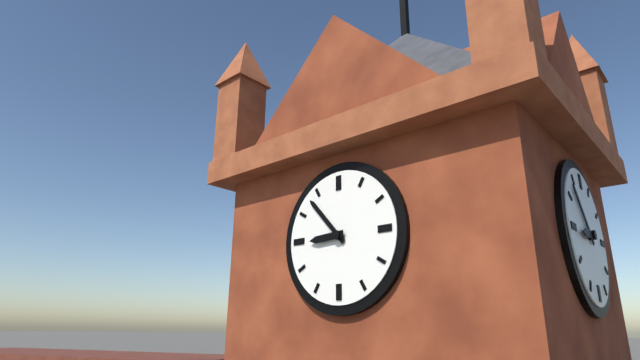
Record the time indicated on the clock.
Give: 8:53
